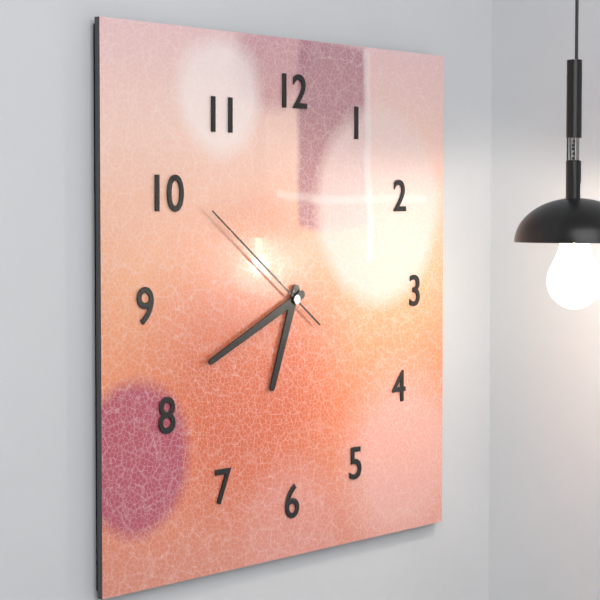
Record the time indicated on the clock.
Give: 6:41:51
